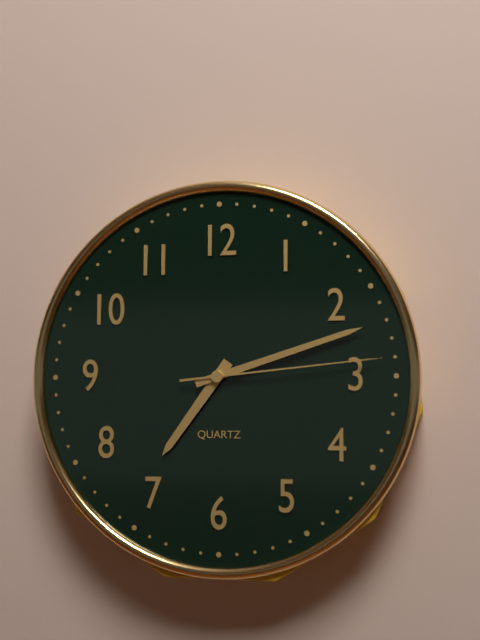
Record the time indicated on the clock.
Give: 7:12:14
